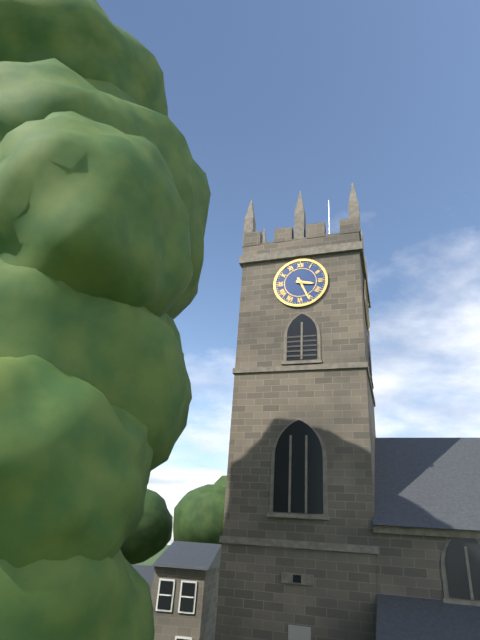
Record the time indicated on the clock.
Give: 3:26
